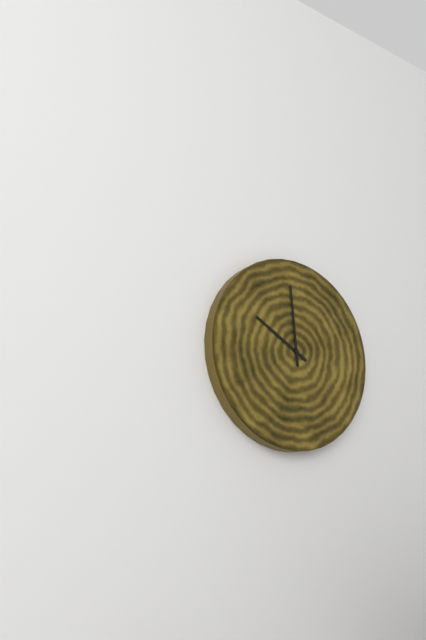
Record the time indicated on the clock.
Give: 9:59
